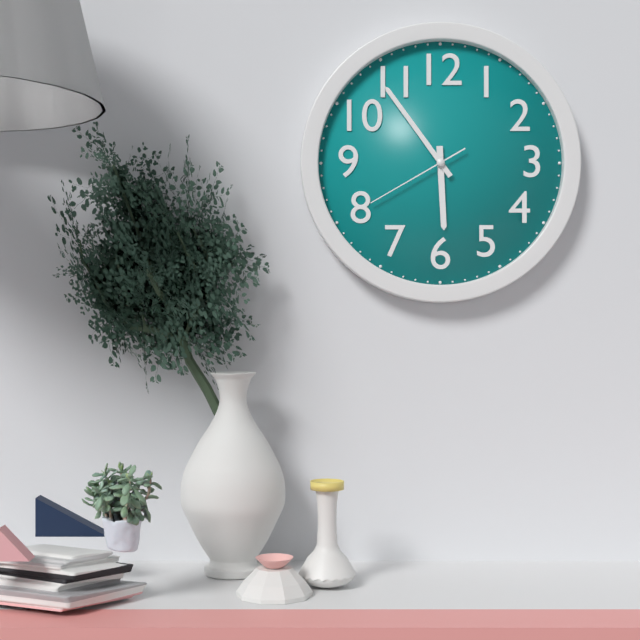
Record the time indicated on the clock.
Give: 5:54:40
